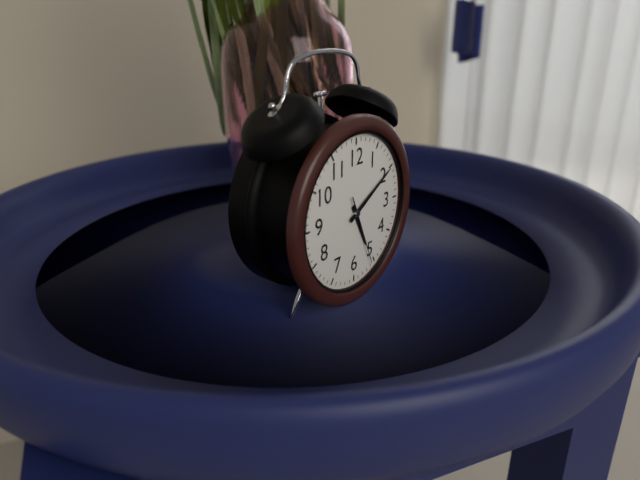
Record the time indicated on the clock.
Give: 5:10:26
